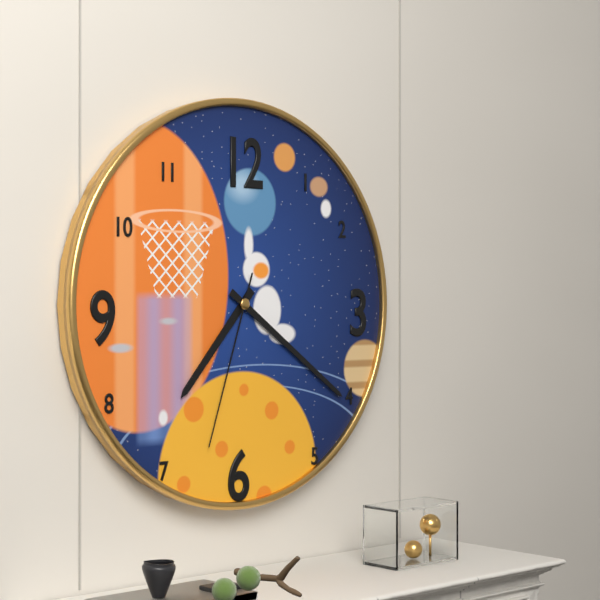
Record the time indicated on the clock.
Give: 7:21:33
